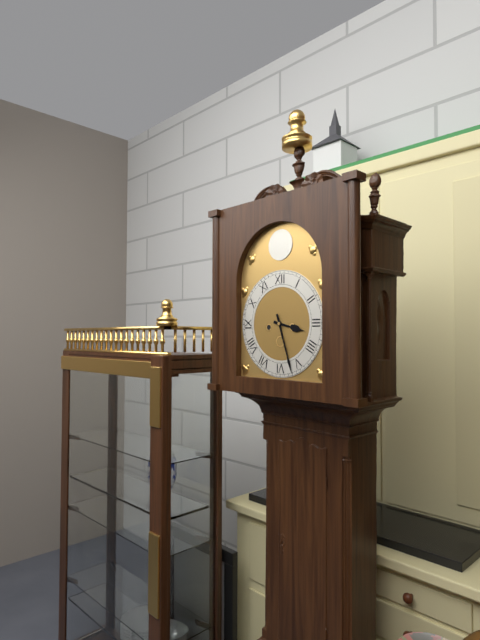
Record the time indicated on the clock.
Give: 3:27
